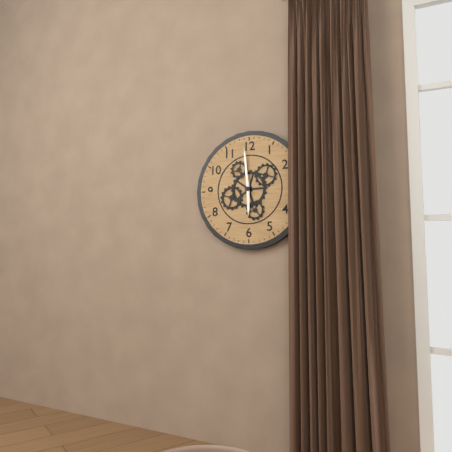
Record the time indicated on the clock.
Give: 5:59
